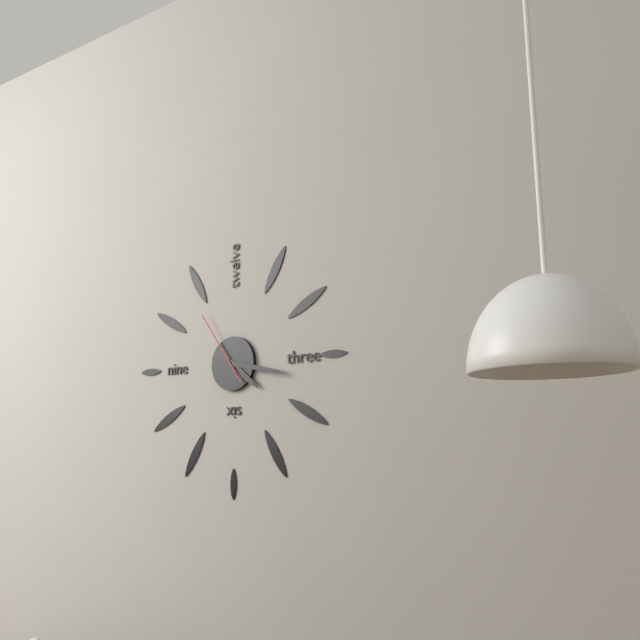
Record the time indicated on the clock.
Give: 4:17:54
